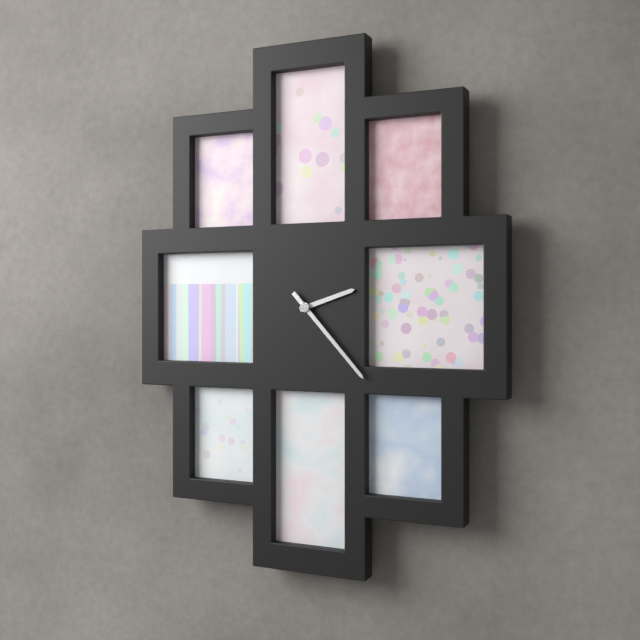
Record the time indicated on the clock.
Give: 2:23
